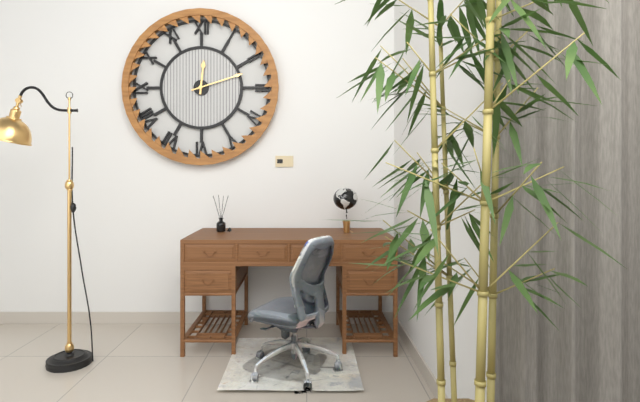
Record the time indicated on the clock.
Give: 12:12
